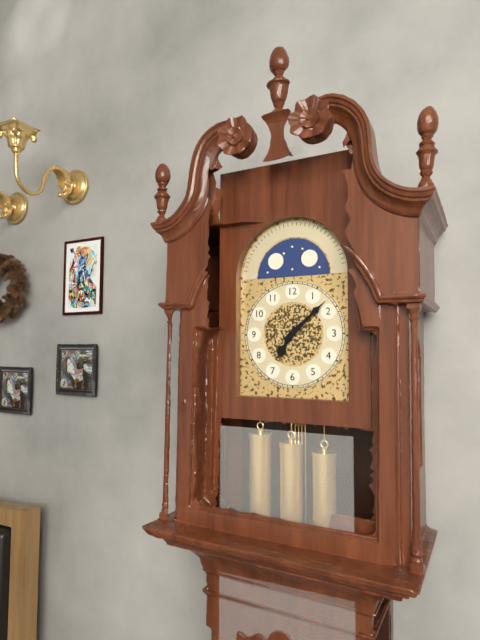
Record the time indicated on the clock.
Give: 7:08
